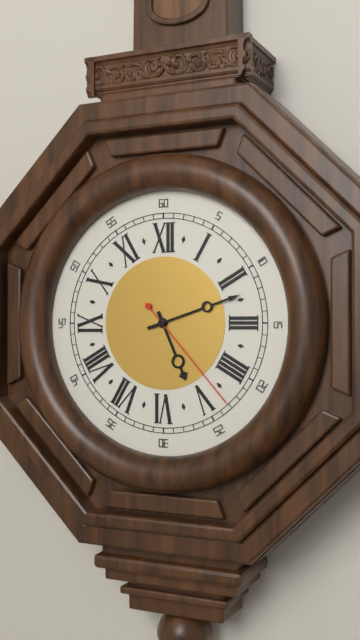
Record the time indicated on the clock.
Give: 5:12:23
